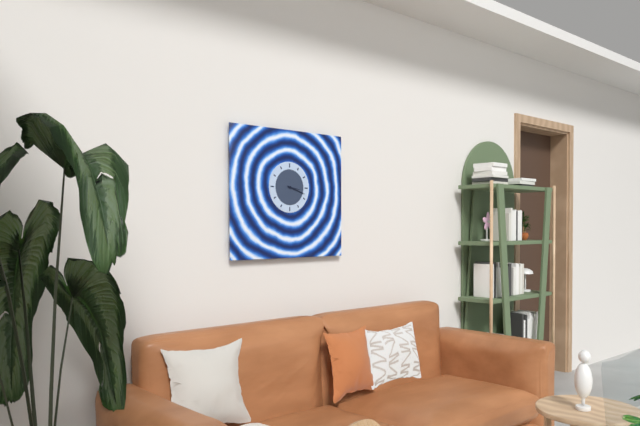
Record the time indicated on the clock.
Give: 3:18
